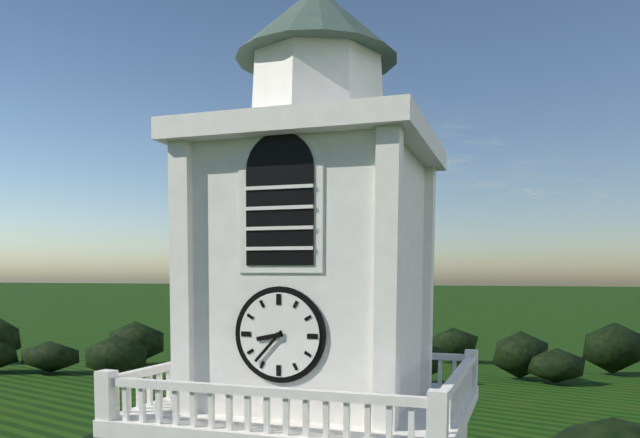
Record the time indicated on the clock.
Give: 8:37
